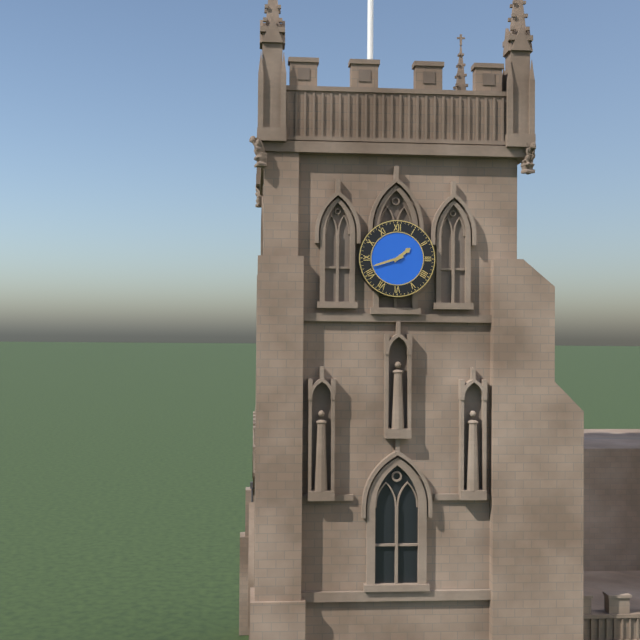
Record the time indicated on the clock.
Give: 1:42
